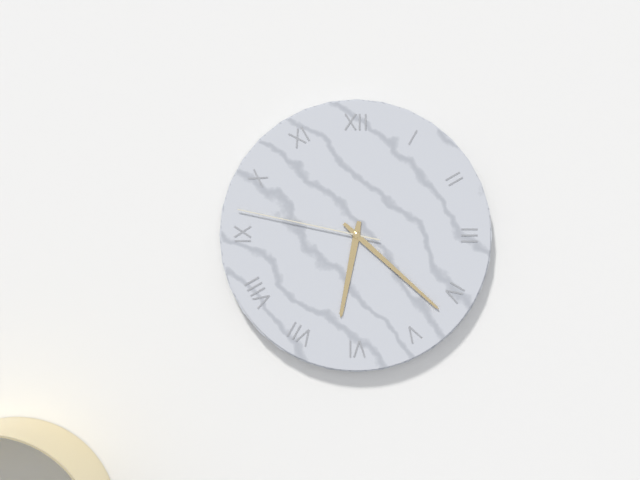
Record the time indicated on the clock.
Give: 6:22:47
